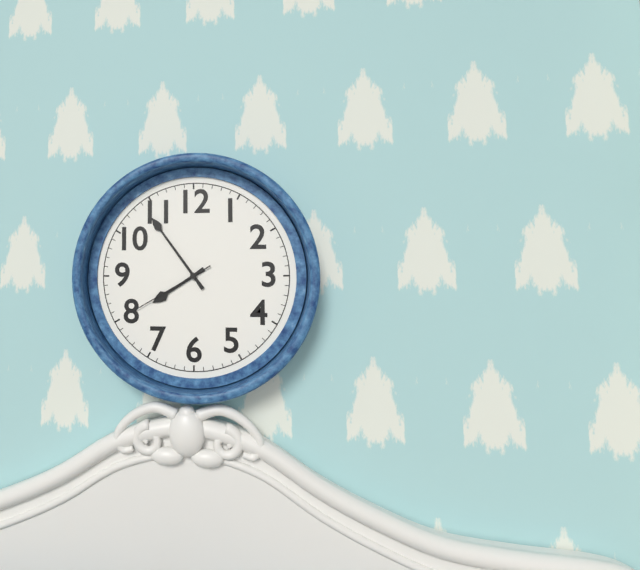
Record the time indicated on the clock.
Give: 7:54:40
